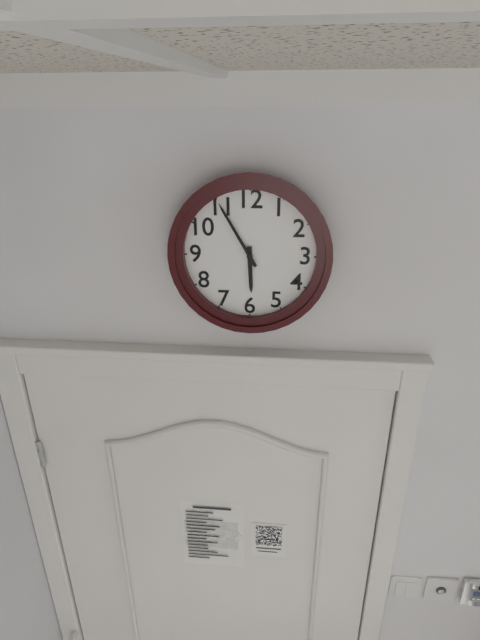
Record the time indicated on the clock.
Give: 5:55
